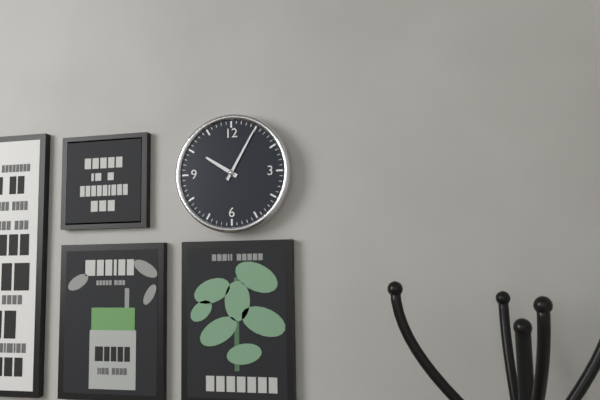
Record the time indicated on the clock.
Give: 10:05
